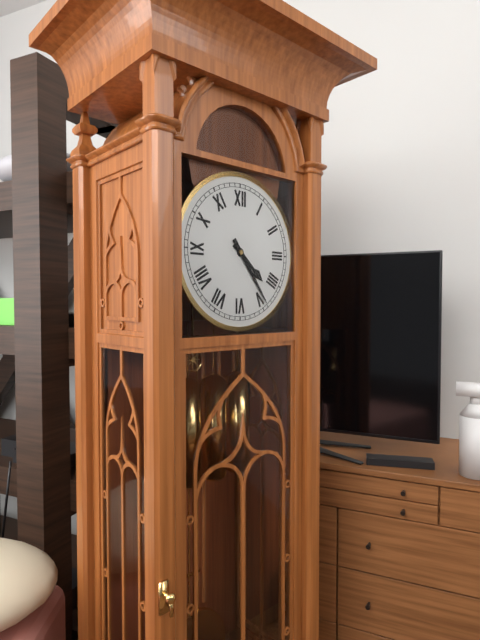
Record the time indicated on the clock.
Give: 4:24
